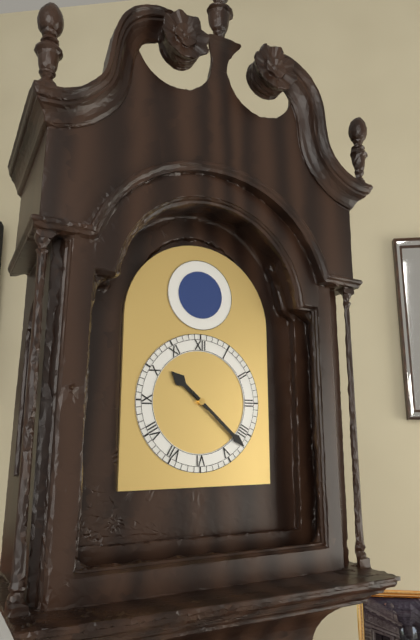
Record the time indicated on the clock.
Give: 10:22
